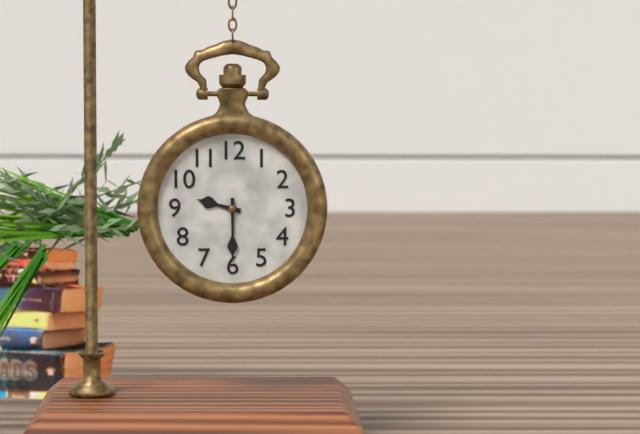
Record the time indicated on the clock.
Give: 9:30
